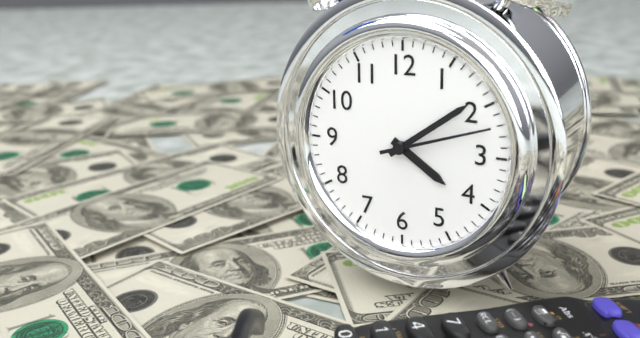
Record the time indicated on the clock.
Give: 4:09:12
